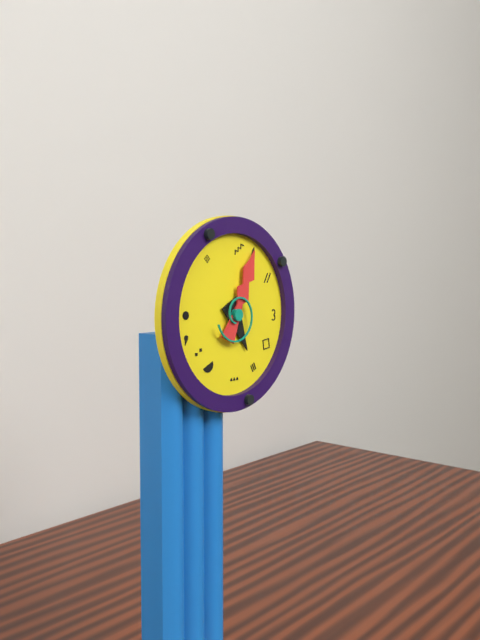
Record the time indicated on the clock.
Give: 5:04
